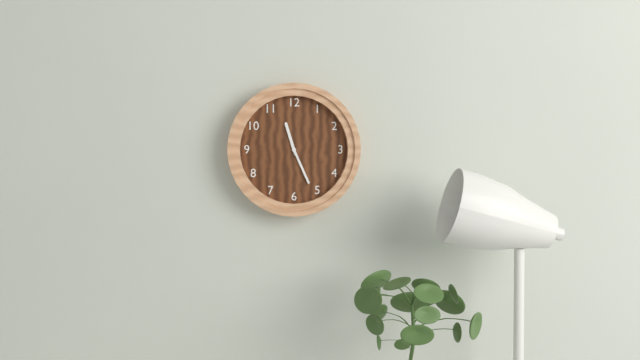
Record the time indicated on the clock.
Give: 11:26
